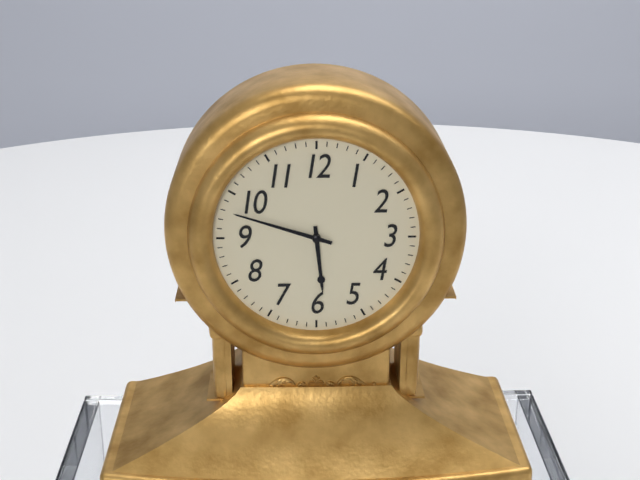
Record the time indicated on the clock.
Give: 5:48
